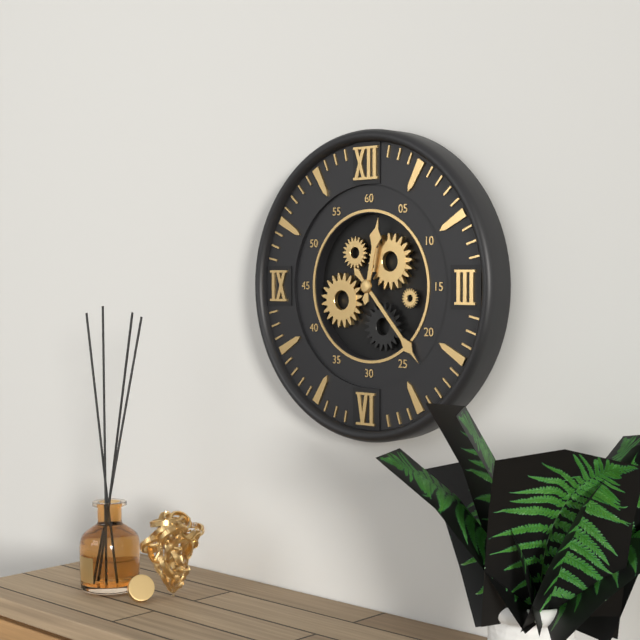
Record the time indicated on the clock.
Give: 12:23
